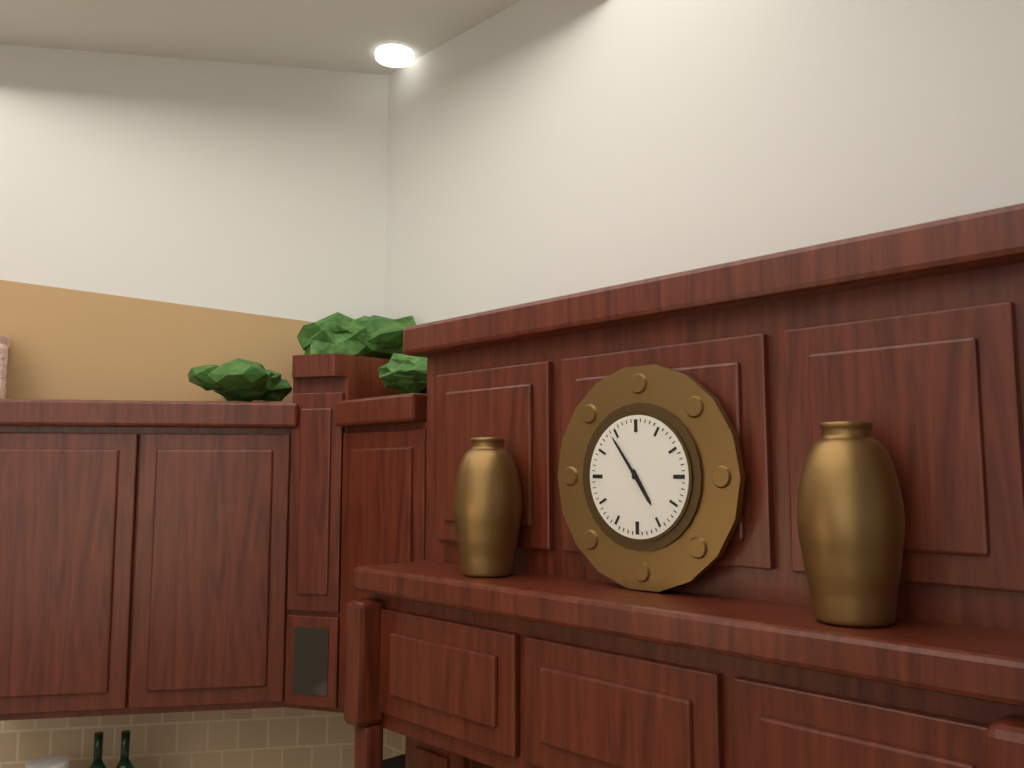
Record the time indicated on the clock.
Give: 4:54
